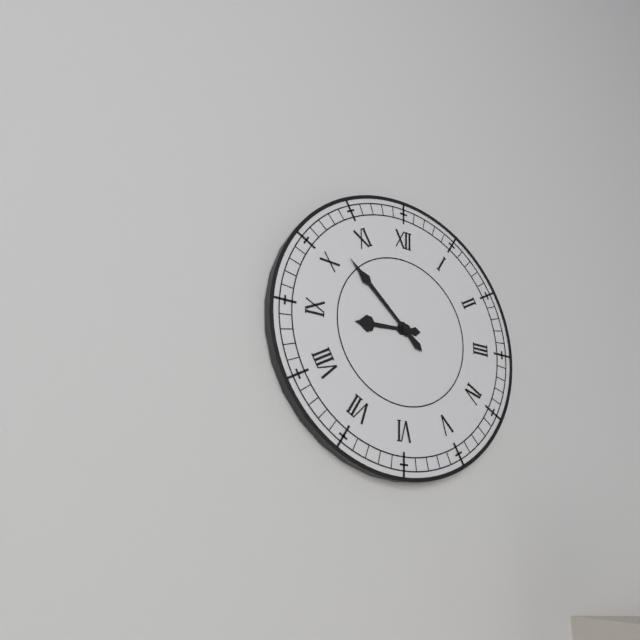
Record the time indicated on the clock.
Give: 8:52
